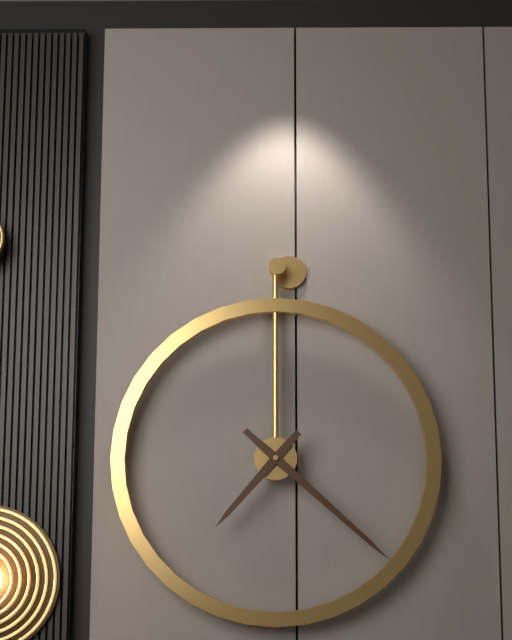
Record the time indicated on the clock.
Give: 7:22
